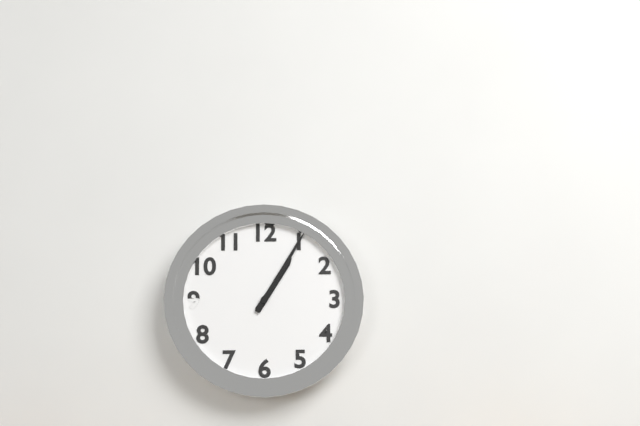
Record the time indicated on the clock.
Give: 1:05
